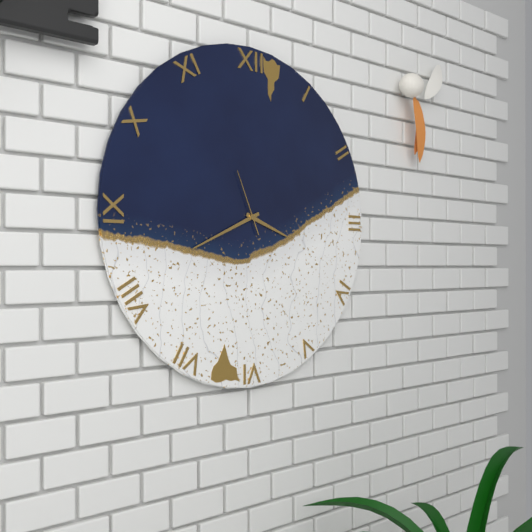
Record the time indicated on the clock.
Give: 3:41:56
